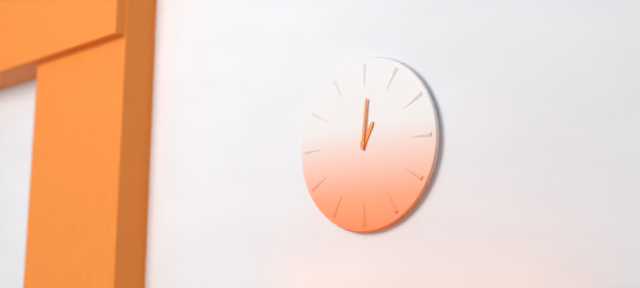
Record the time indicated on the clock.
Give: 1:01
